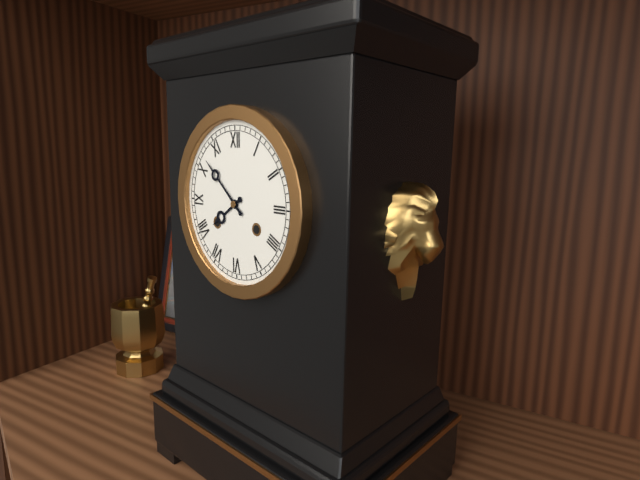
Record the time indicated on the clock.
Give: 7:52
